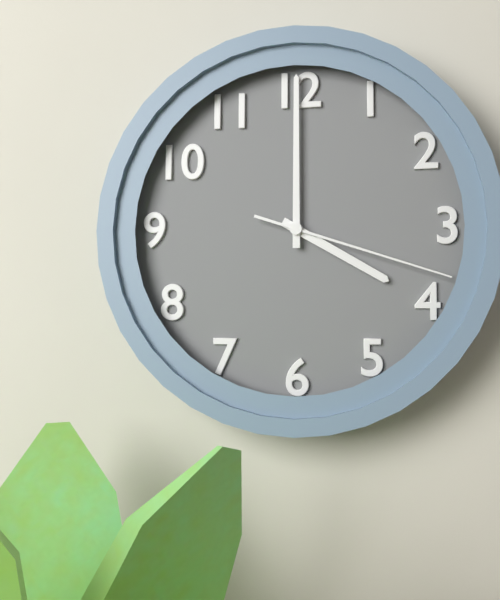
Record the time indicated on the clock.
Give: 4:00:18
